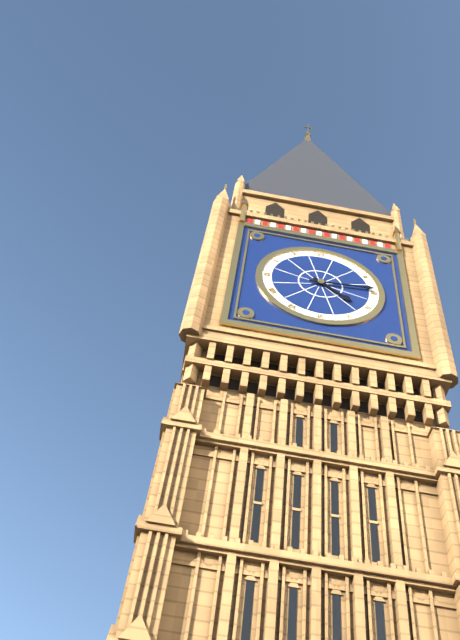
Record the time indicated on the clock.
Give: 4:14
